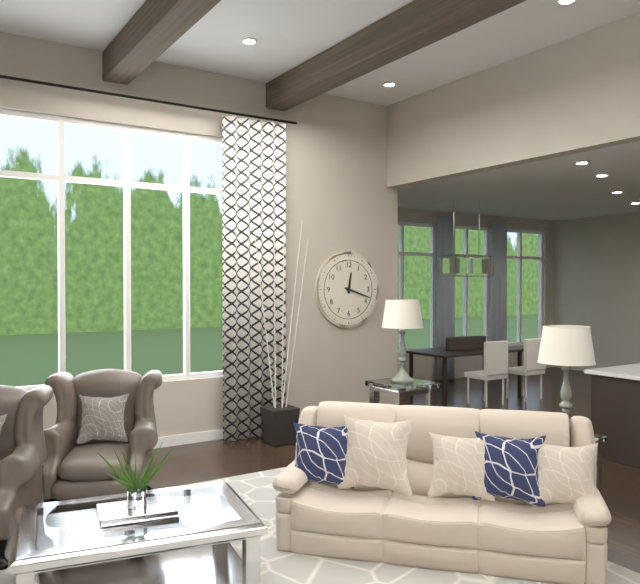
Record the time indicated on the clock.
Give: 12:18
